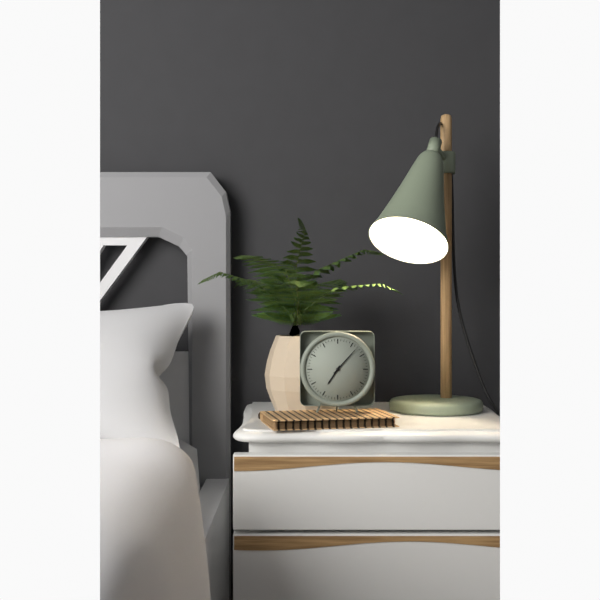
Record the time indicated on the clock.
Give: 7:07
